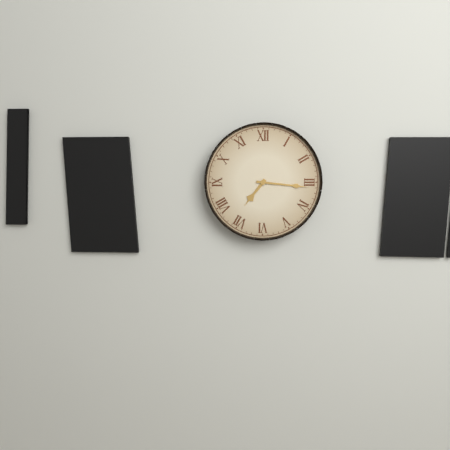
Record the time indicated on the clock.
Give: 7:16
